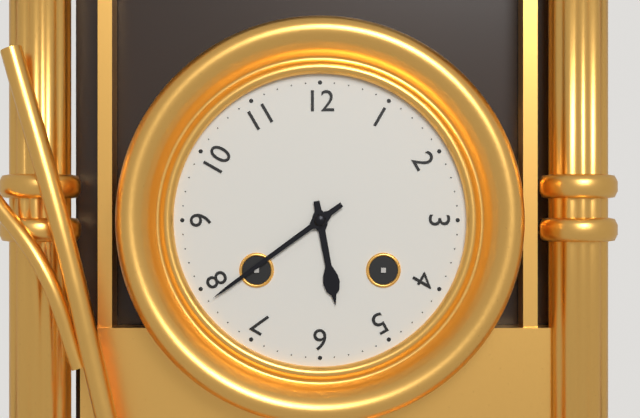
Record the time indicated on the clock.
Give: 5:39
